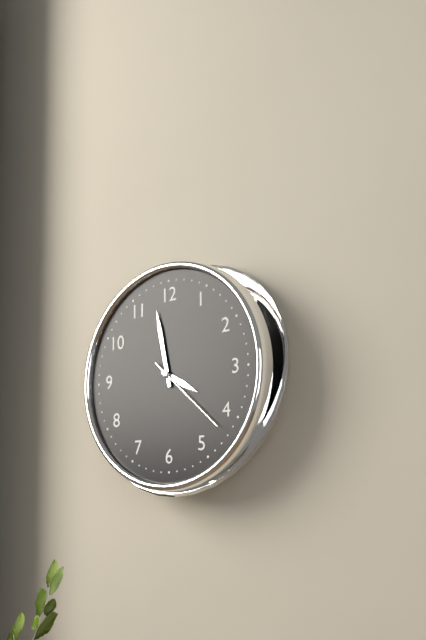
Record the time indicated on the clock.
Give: 3:58:22
